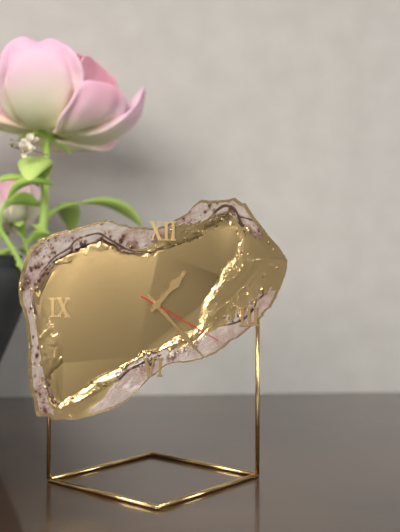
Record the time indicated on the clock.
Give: 1:23:20
